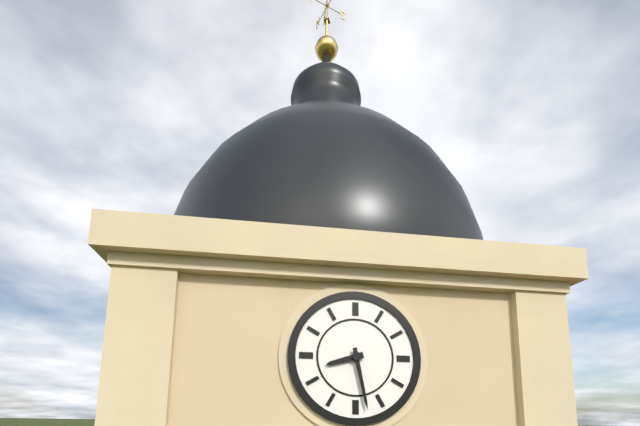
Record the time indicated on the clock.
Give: 8:28
